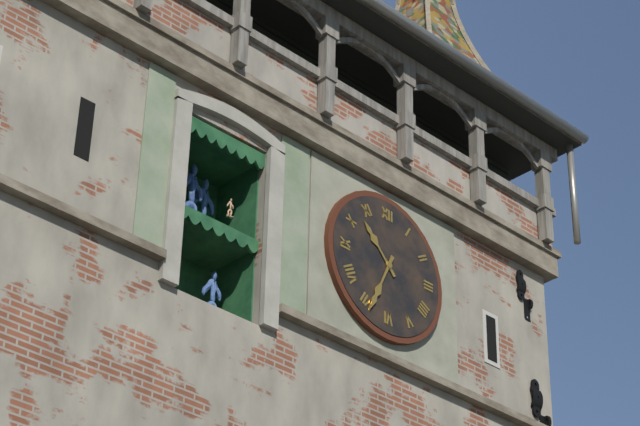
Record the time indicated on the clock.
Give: 10:34
